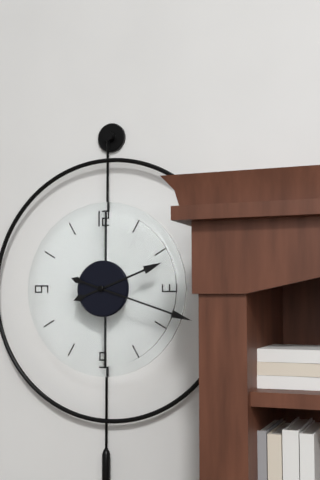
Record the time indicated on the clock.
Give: 2:18
